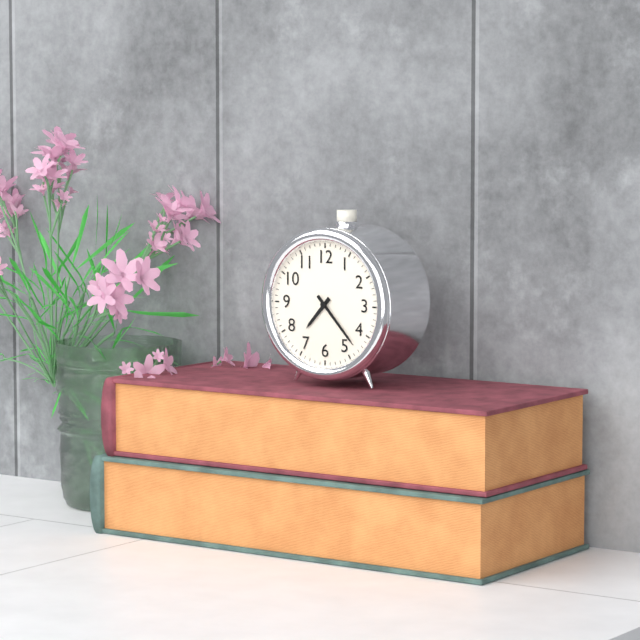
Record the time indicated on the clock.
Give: 7:23
